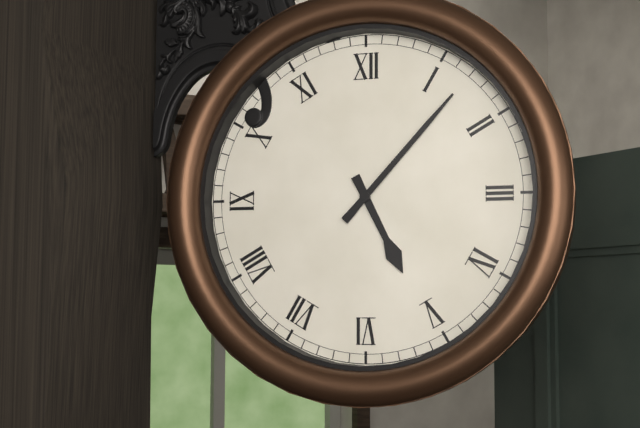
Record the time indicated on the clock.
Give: 5:07
